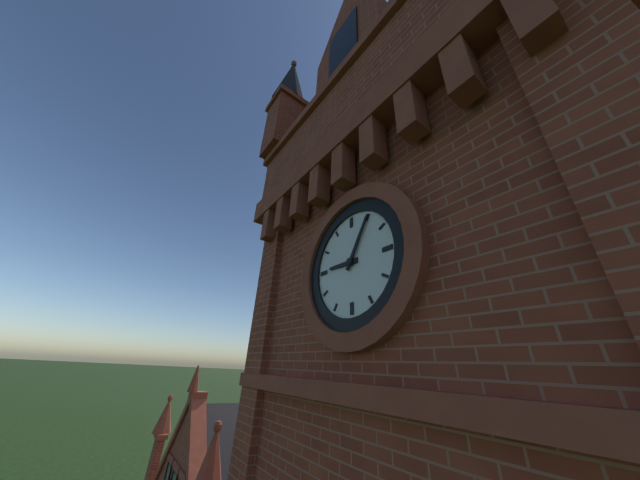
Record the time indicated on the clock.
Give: 9:05
